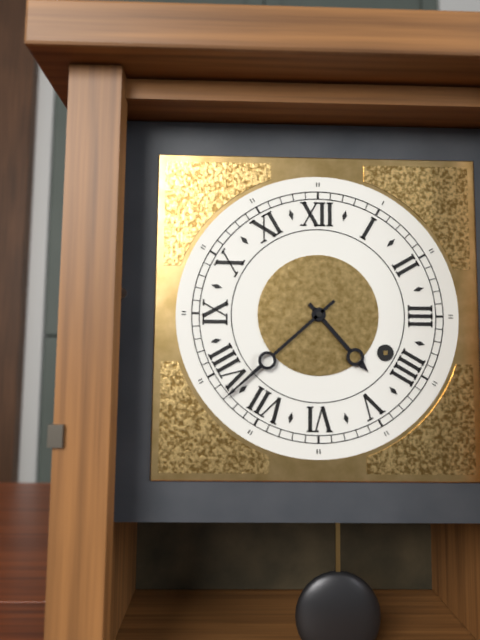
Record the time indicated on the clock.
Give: 4:38
